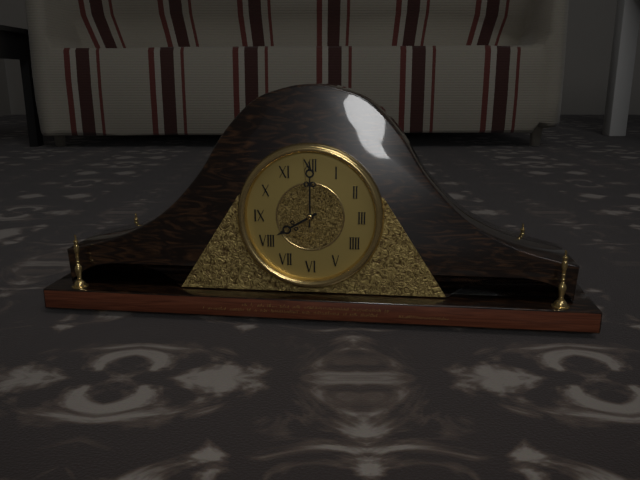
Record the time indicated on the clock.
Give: 8:00:59
